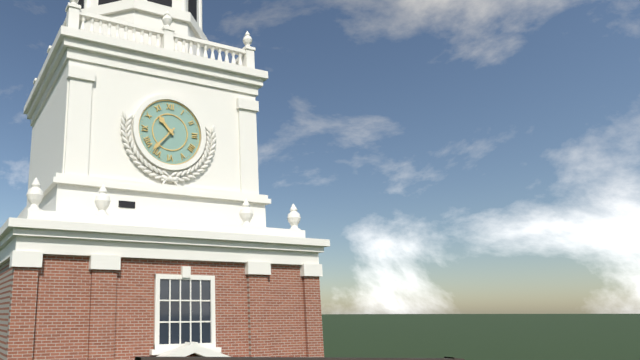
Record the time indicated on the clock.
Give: 10:37
